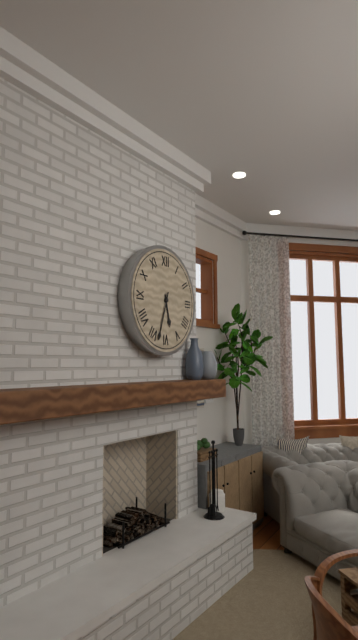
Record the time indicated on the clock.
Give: 5:33
